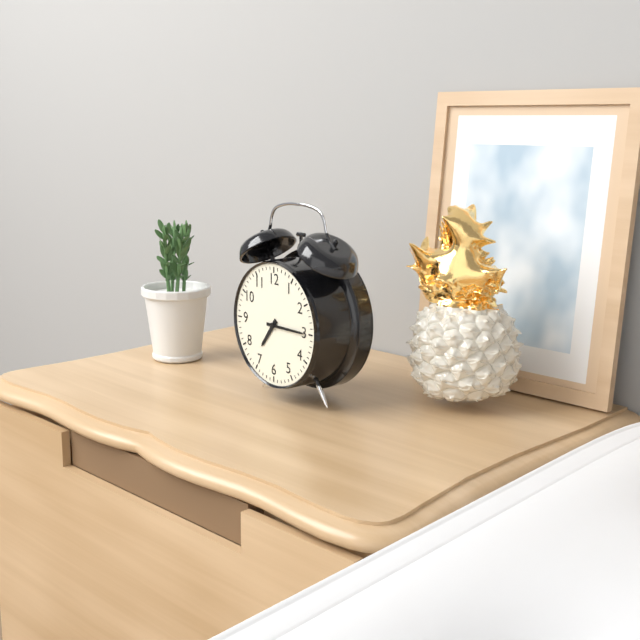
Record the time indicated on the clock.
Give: 7:15
